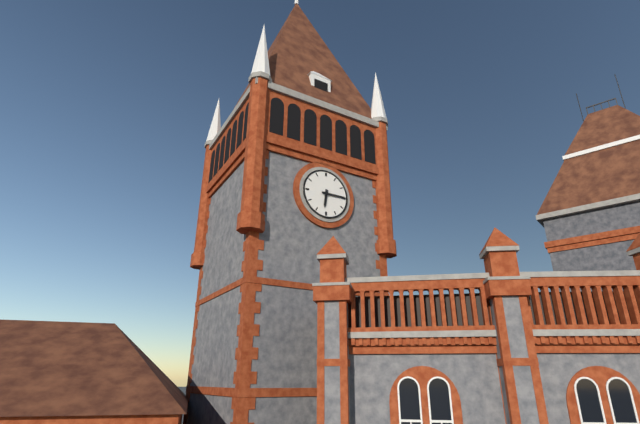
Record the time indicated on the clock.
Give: 6:15
